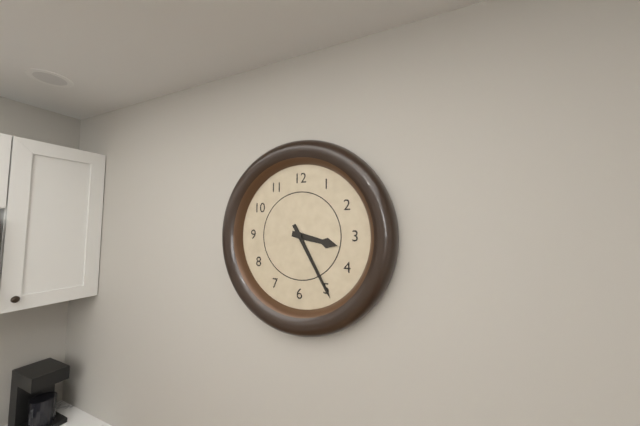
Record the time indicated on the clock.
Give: 3:25
